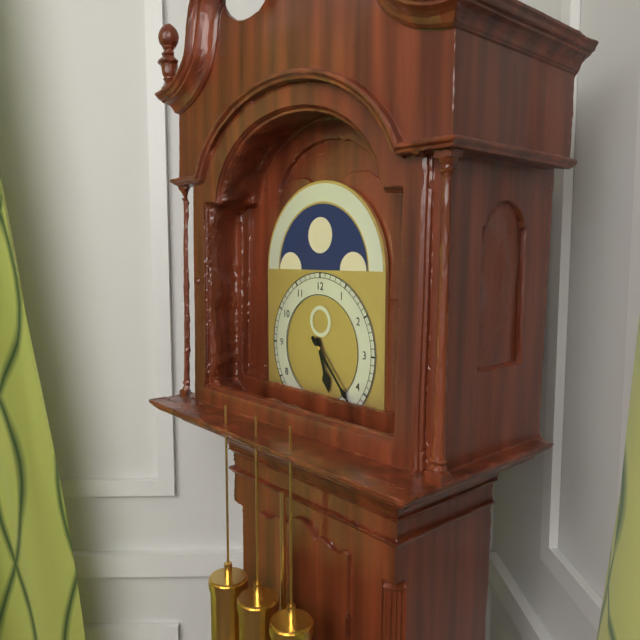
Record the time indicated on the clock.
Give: 5:23
